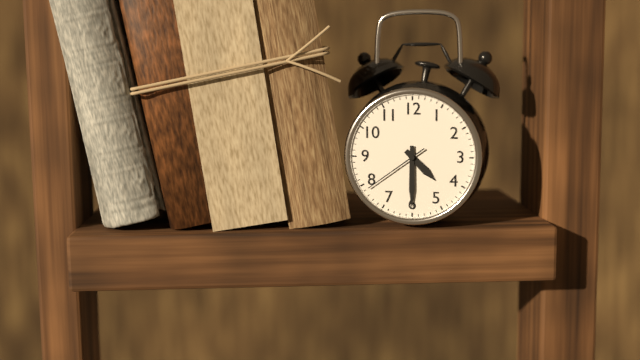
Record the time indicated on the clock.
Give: 4:30:39
